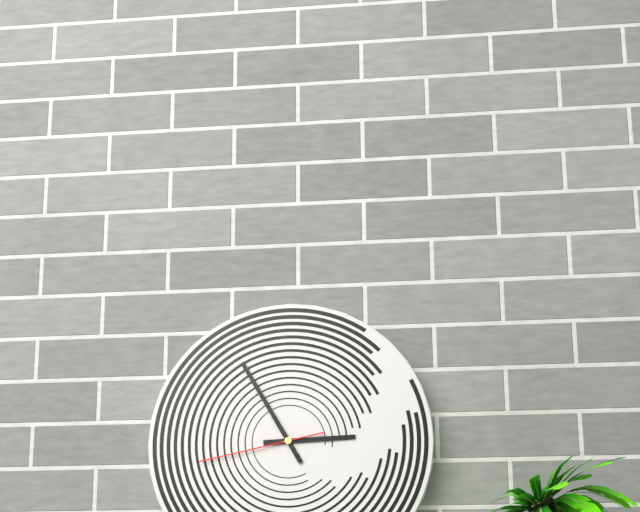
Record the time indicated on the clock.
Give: 2:55:43
